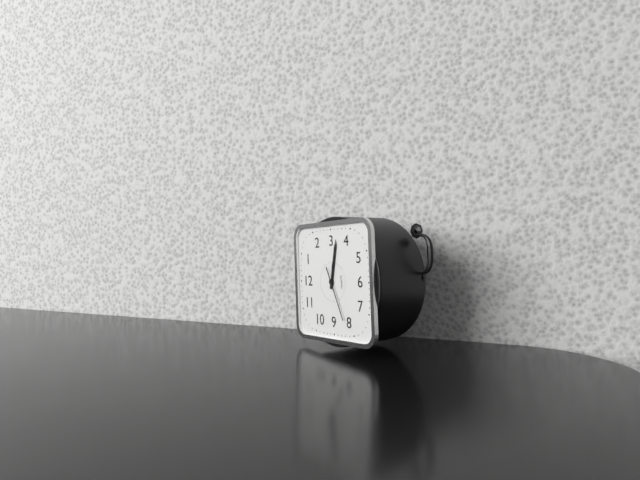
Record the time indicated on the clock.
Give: 3:17:41
